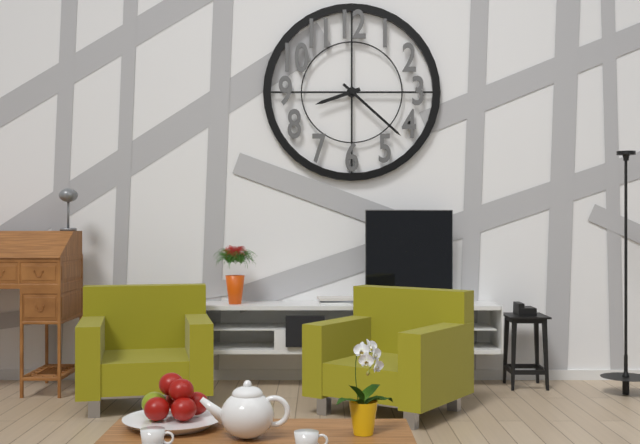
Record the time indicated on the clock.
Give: 8:22
